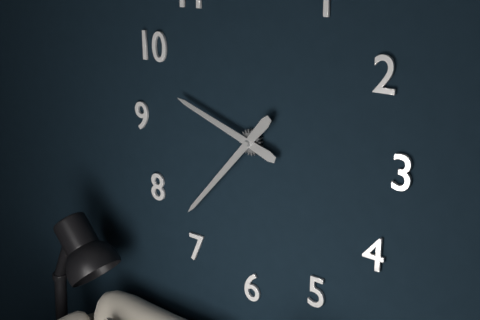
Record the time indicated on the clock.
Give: 9:37
